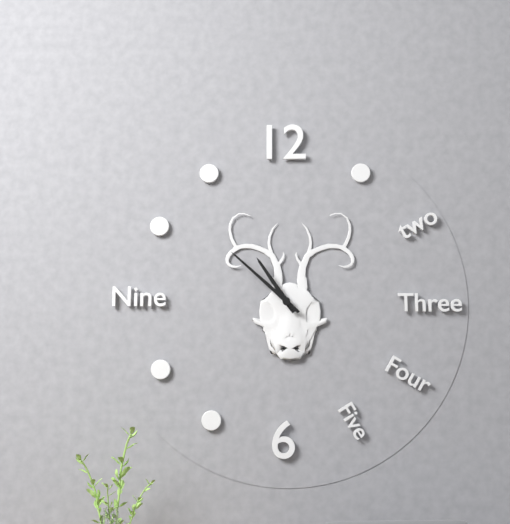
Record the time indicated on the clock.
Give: 10:52
